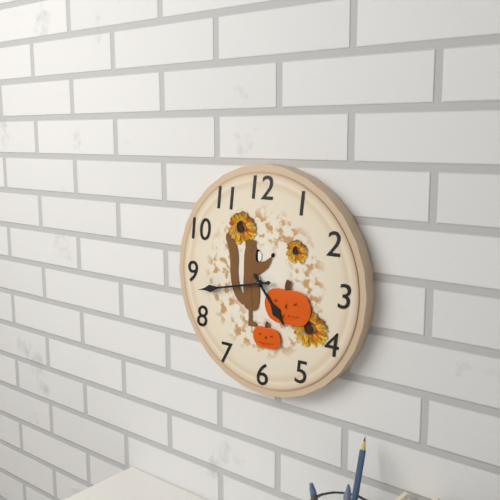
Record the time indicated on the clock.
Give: 4:43
